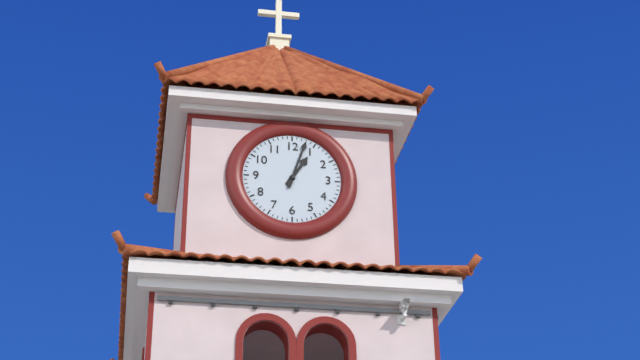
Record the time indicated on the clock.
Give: 1:03
